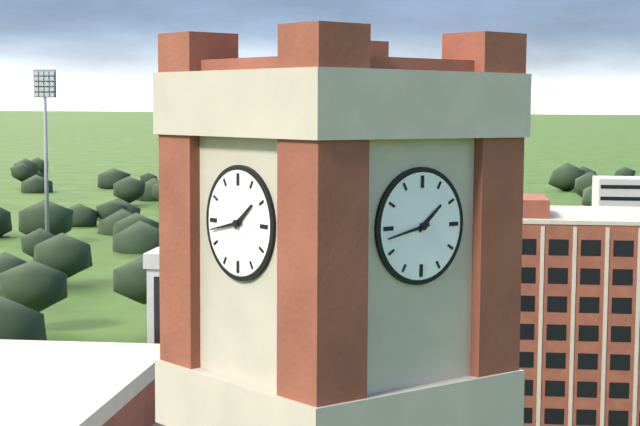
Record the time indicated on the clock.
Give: 1:43
